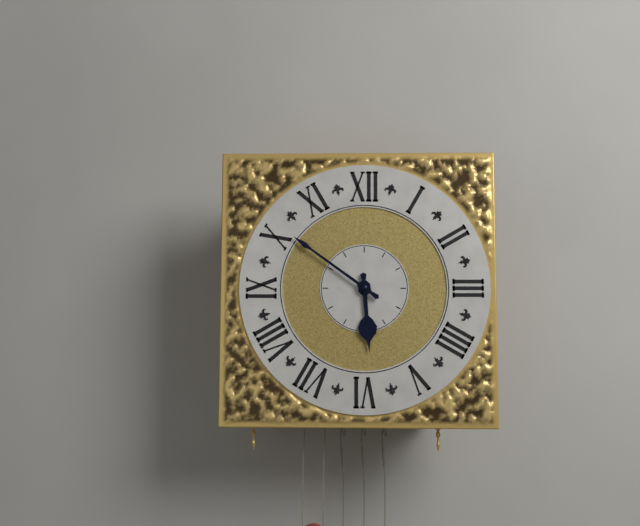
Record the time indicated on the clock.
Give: 5:51
